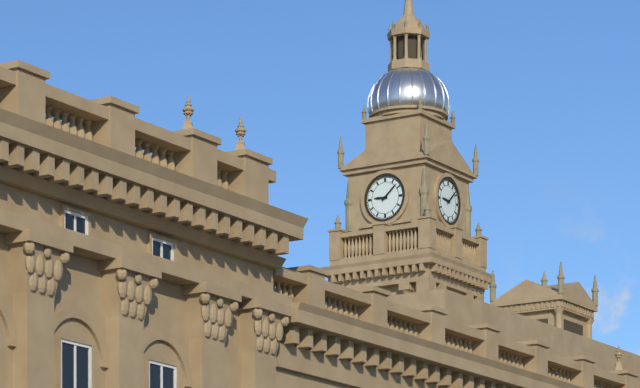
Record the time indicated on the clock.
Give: 9:08
